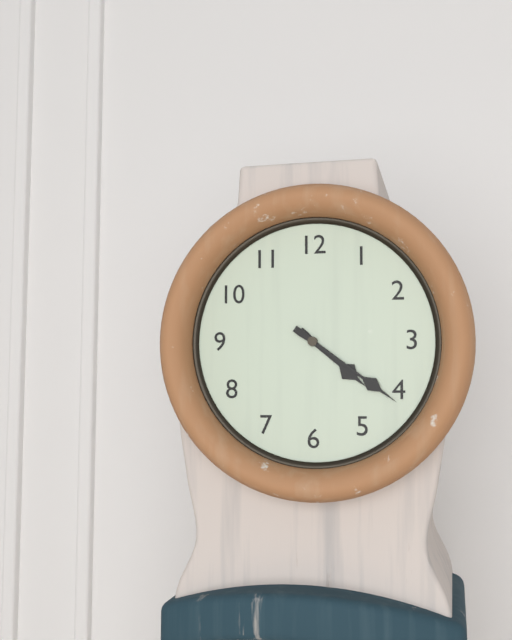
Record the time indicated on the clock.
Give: 4:21
